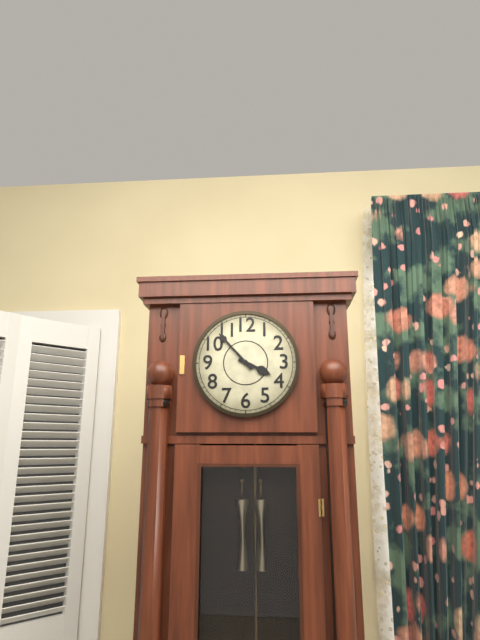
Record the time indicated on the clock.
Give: 3:53
